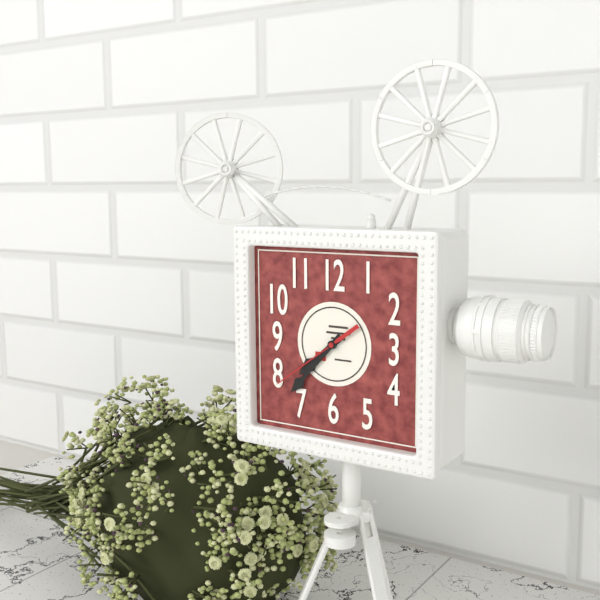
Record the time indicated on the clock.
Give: 7:37:39
